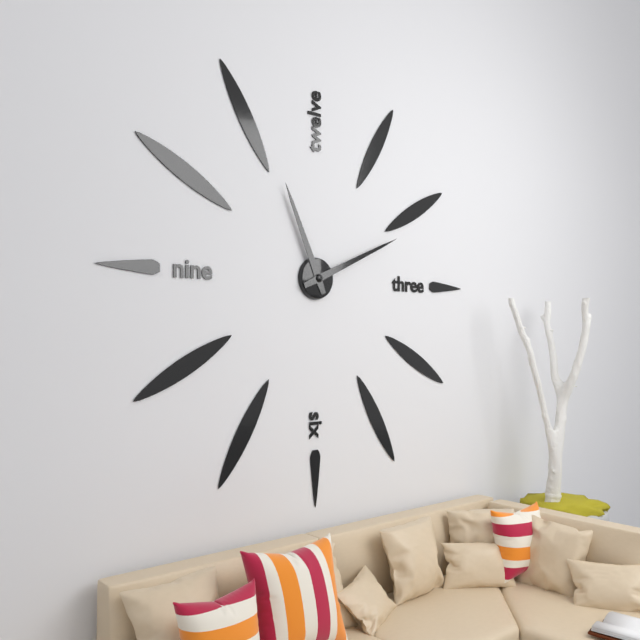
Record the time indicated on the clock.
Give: 11:11
